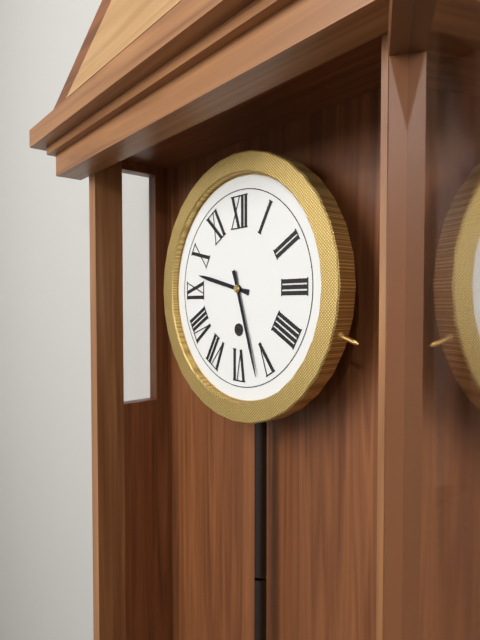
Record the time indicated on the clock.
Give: 9:27
